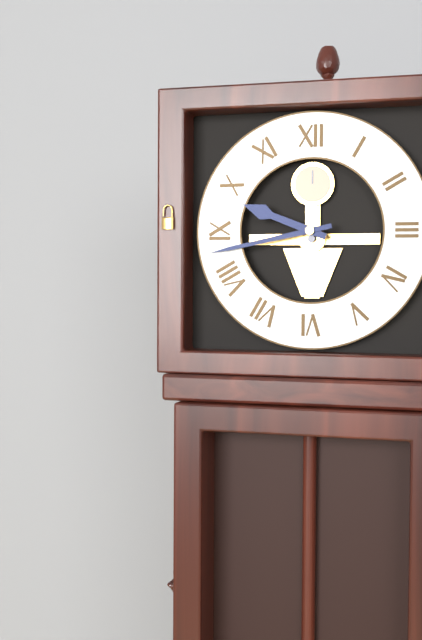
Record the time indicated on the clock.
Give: 9:43
